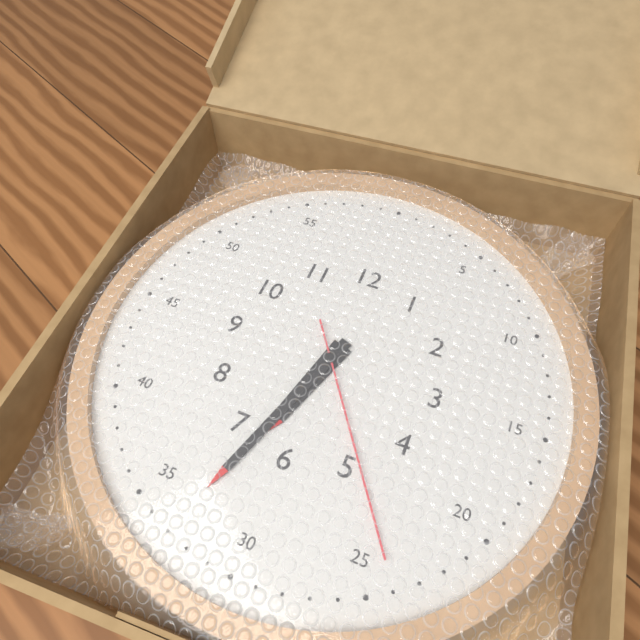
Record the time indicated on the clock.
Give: 6:33:24
